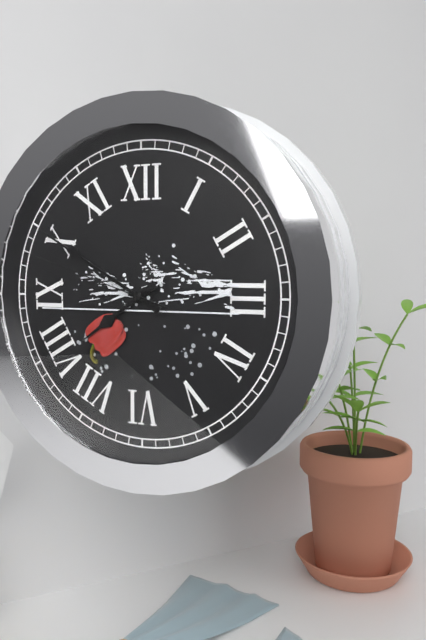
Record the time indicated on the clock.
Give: 7:50:48
